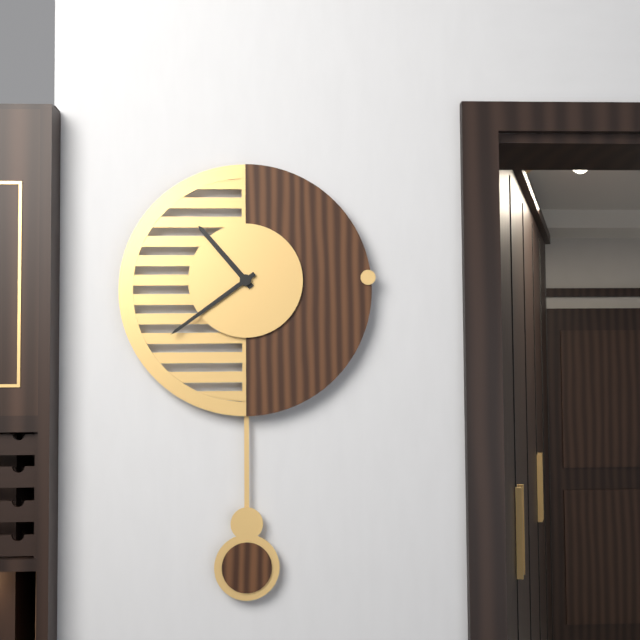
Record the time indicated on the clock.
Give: 10:39
